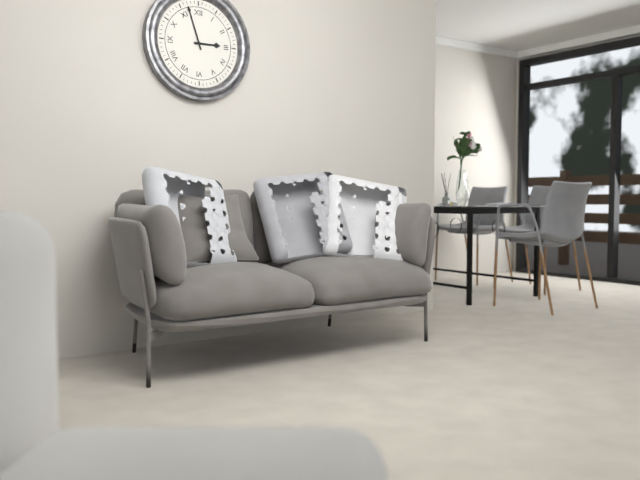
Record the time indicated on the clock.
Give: 2:57
